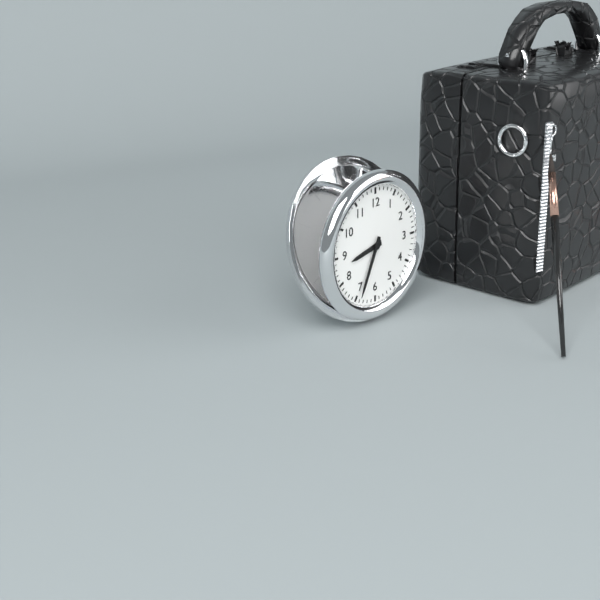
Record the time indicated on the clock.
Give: 8:34
